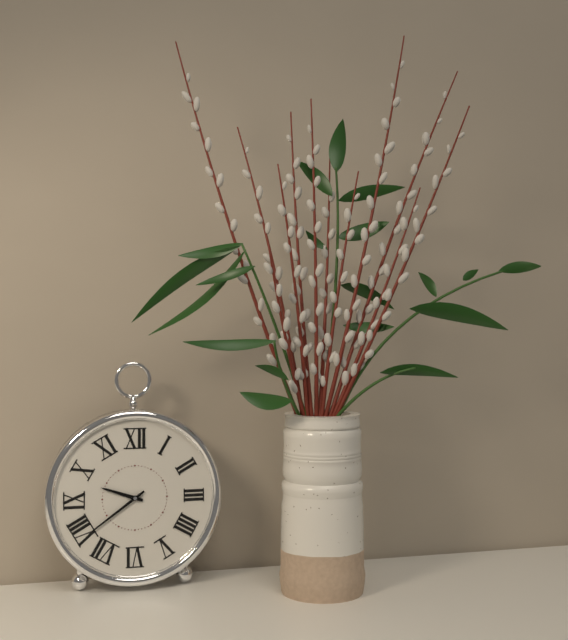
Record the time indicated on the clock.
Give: 9:39
